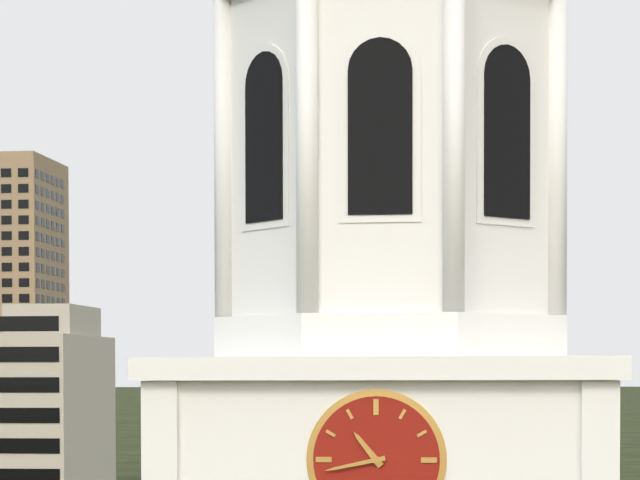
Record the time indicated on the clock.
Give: 10:43
